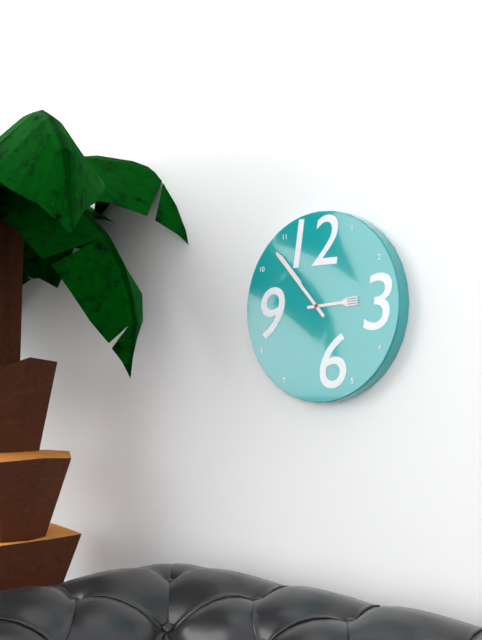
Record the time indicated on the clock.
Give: 2:53
